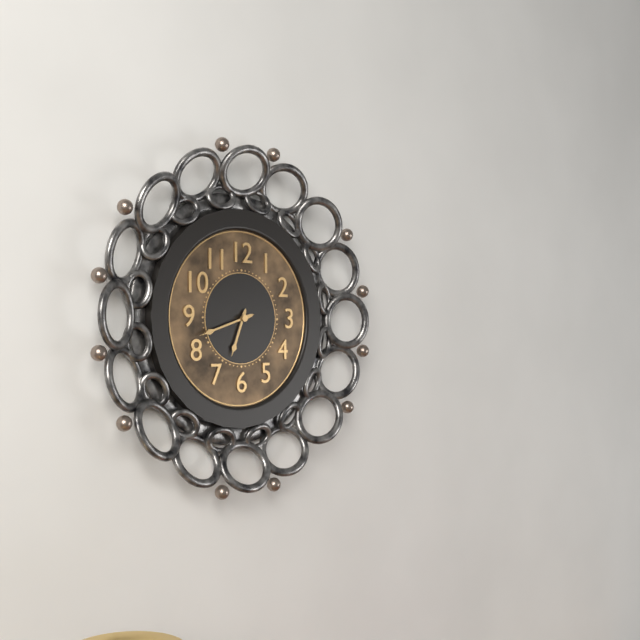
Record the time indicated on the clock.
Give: 6:42
